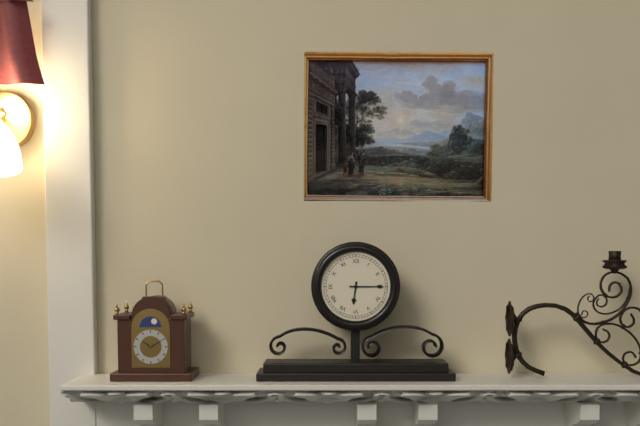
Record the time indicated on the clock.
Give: 6:15
